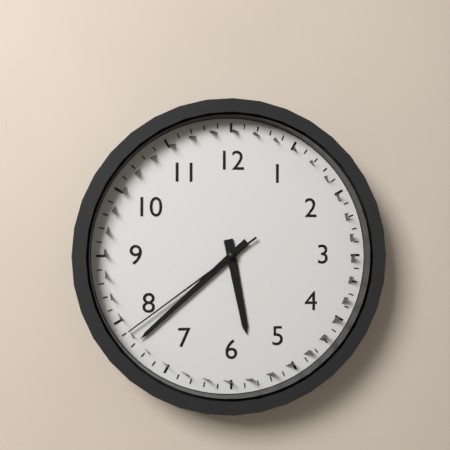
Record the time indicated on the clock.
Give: 5:38:39
